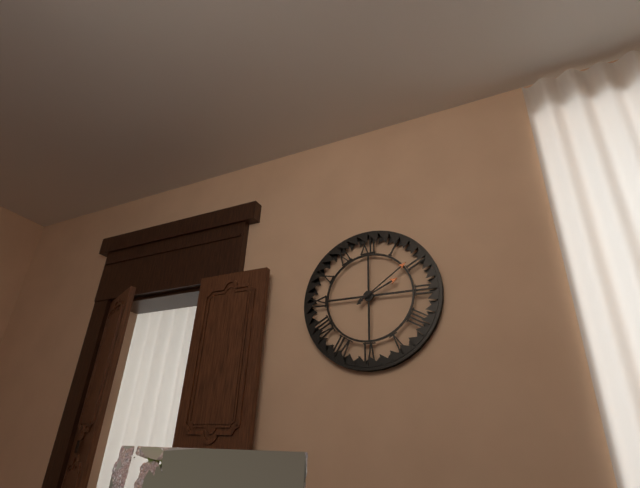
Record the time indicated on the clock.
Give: 2:09
